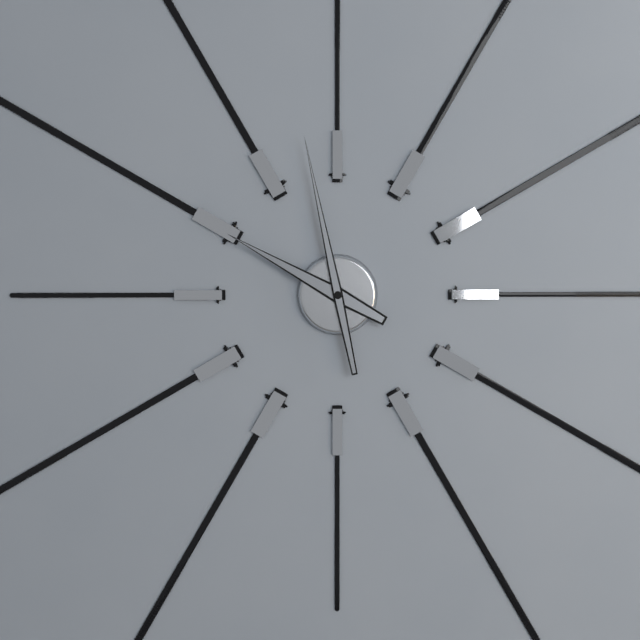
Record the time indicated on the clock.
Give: 9:58
